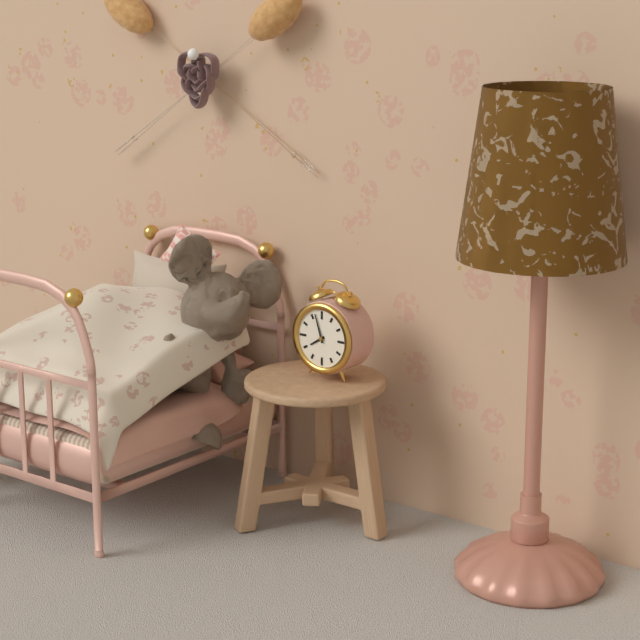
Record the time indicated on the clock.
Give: 7:57
